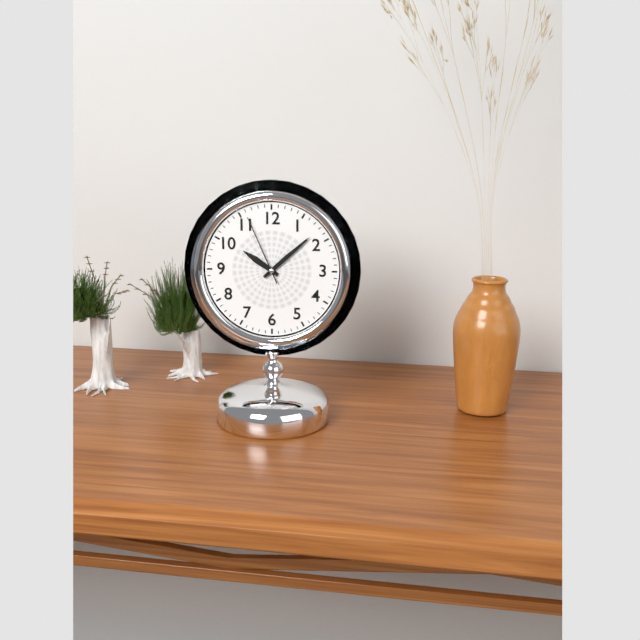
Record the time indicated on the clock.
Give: 10:08:56
